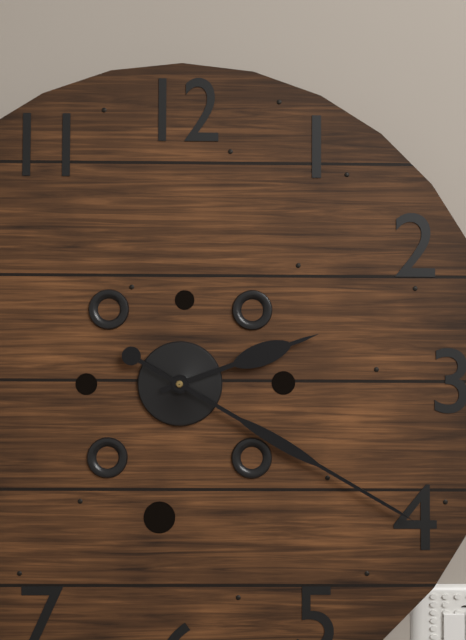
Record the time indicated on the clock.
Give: 2:20
